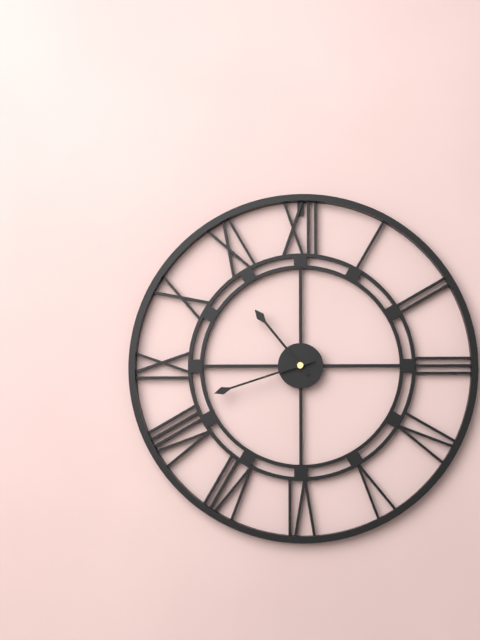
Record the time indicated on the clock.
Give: 10:42
